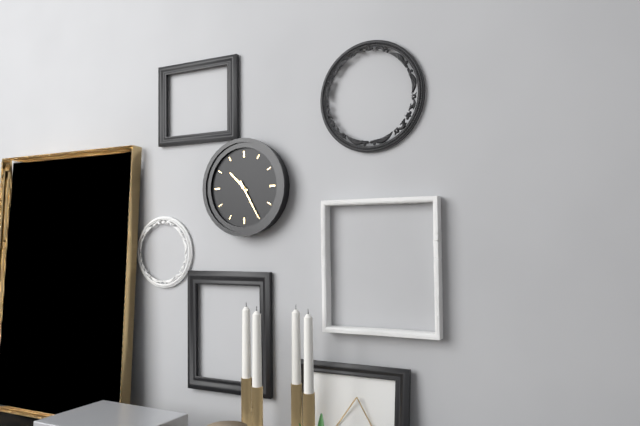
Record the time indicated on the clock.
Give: 10:25
